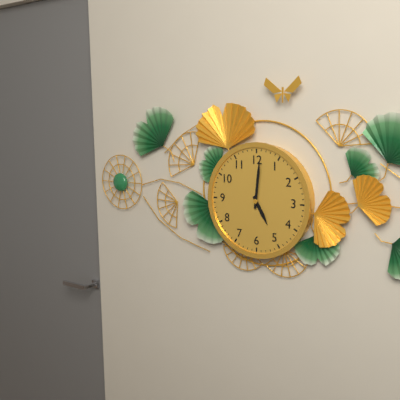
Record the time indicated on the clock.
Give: 5:01
